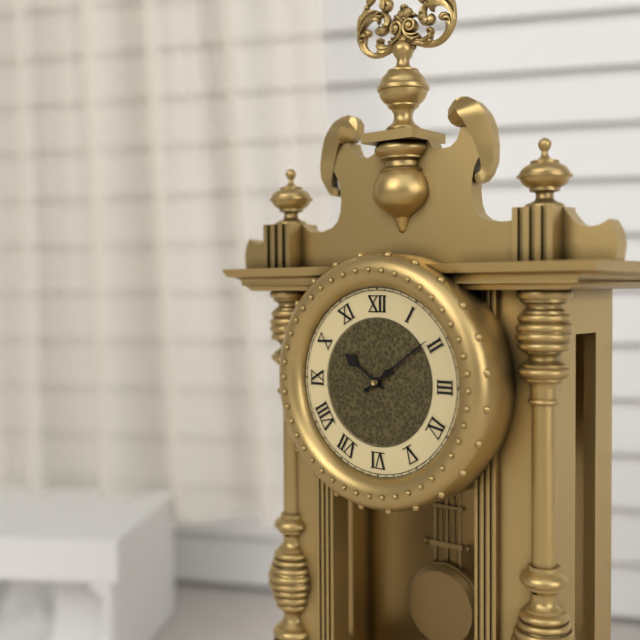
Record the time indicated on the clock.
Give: 10:09
